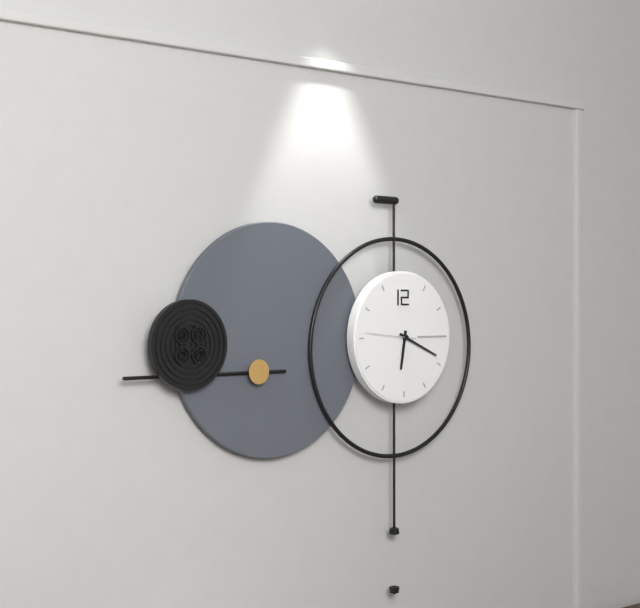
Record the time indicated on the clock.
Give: 6:19
